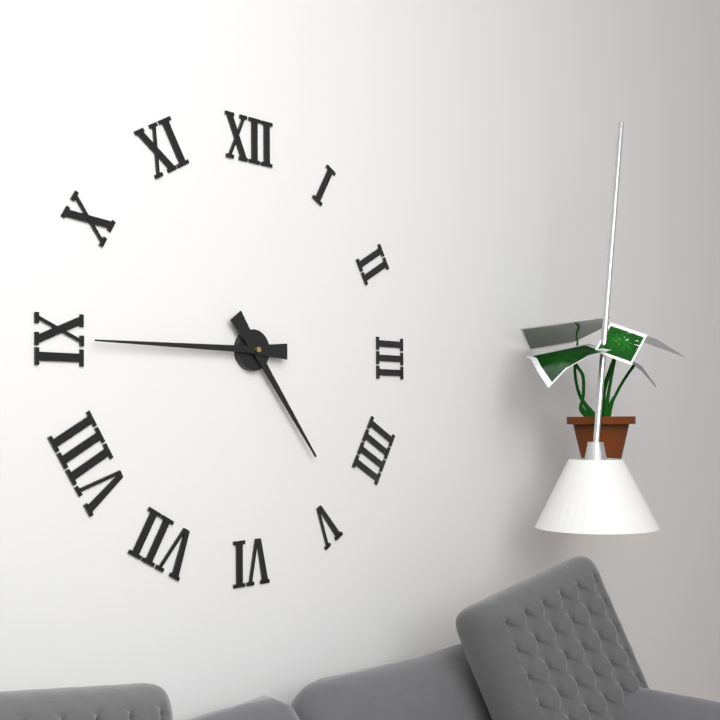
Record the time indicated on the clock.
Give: 4:45
